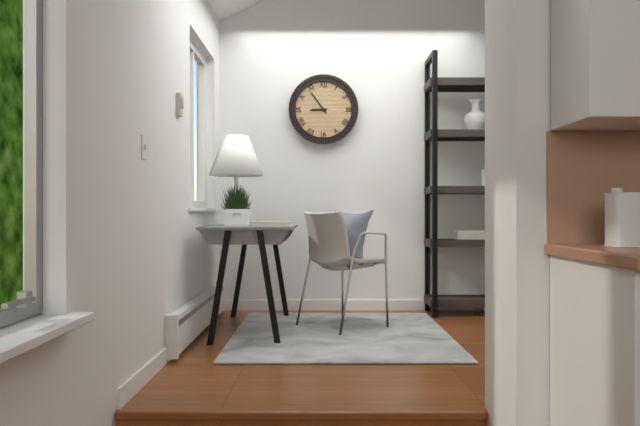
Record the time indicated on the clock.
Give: 8:54
